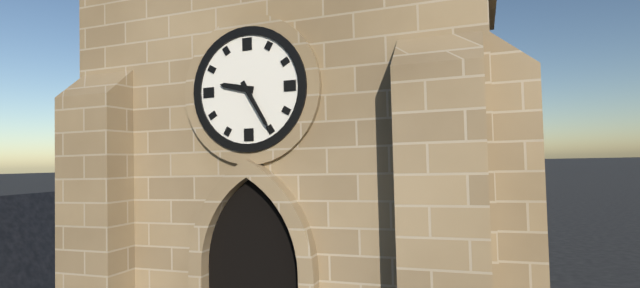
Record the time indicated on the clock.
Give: 9:25
